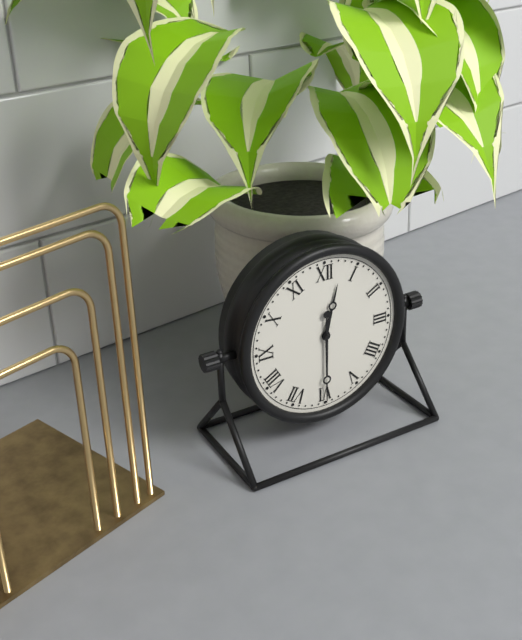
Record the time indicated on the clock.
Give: 12:30
